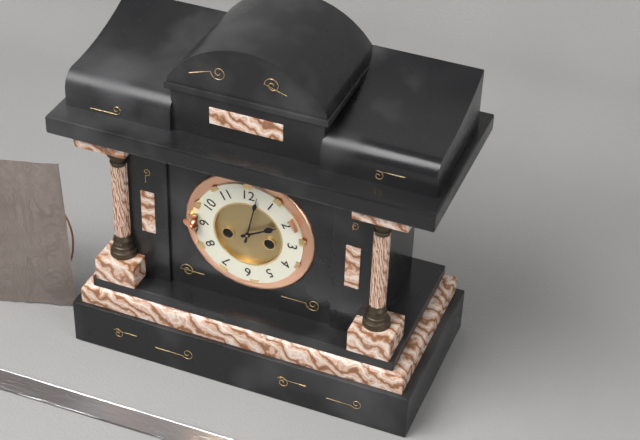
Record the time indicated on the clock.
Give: 2:02
